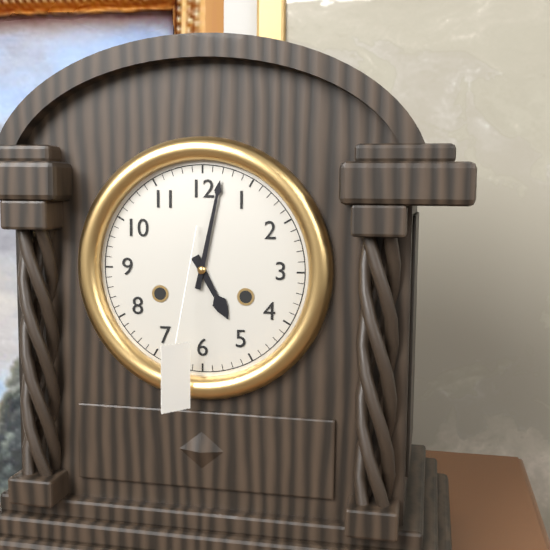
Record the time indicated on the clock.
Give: 5:02
